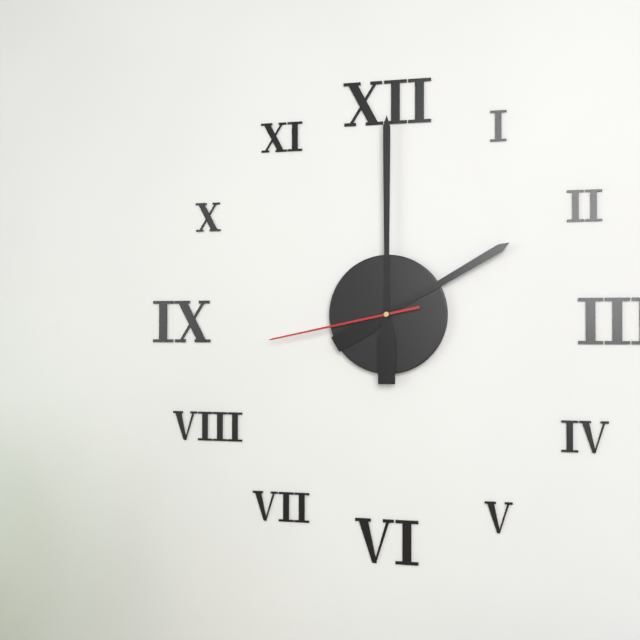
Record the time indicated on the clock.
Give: 2:00:43
